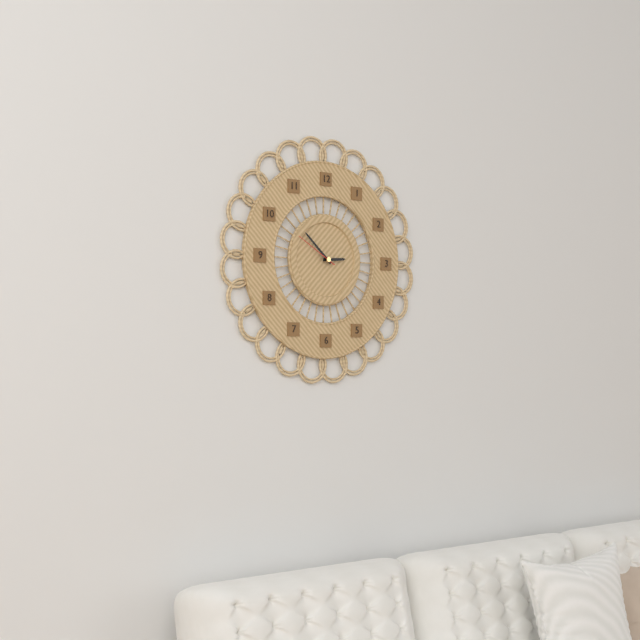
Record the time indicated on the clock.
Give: 2:52
